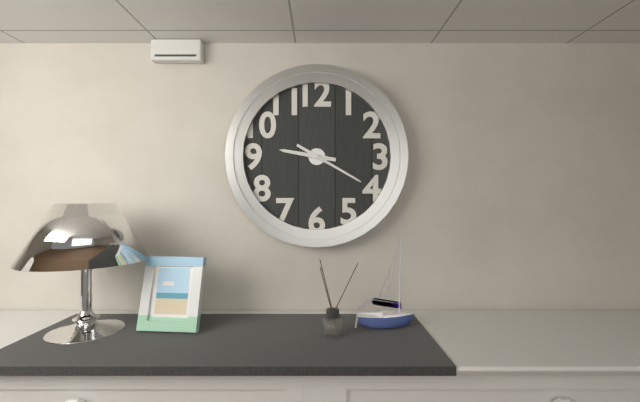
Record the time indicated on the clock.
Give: 9:20
